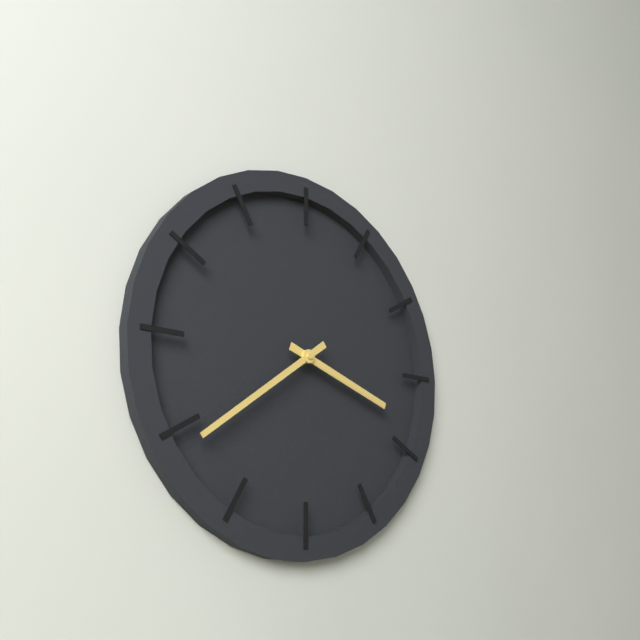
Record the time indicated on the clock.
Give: 3:39
